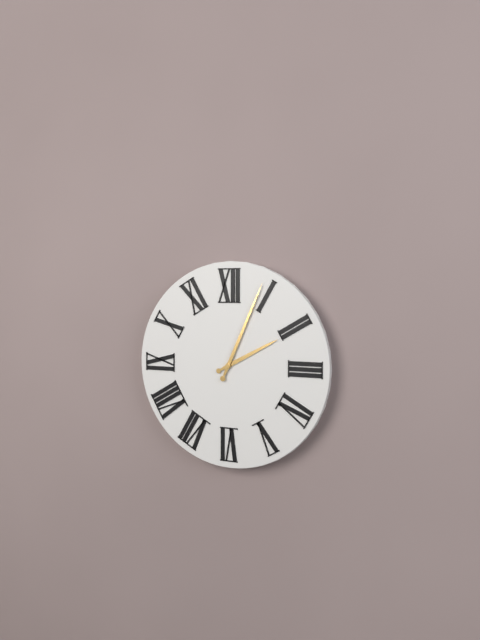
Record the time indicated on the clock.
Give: 2:04
